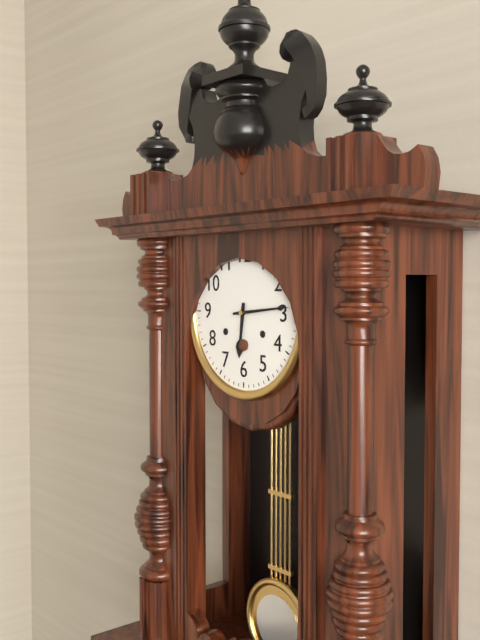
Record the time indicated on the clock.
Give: 6:14
